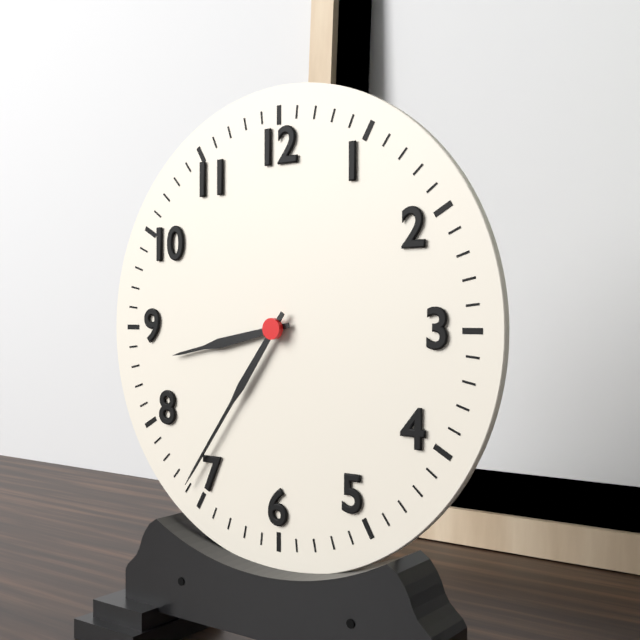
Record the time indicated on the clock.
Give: 8:36
